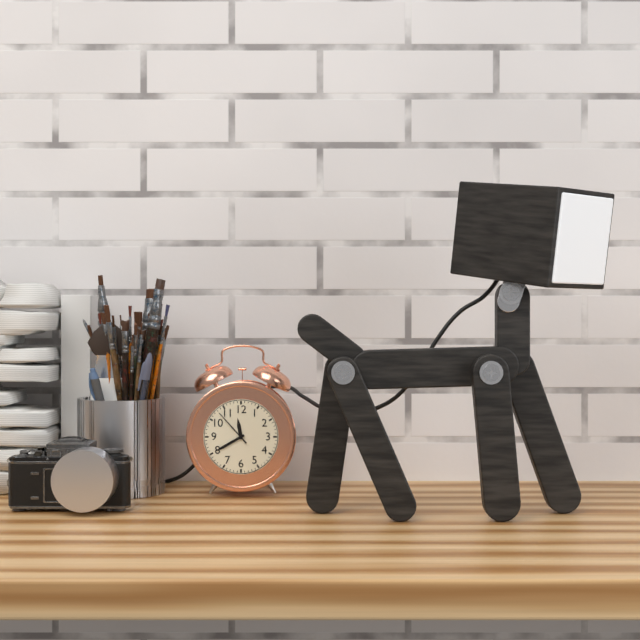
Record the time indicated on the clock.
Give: 11:40
